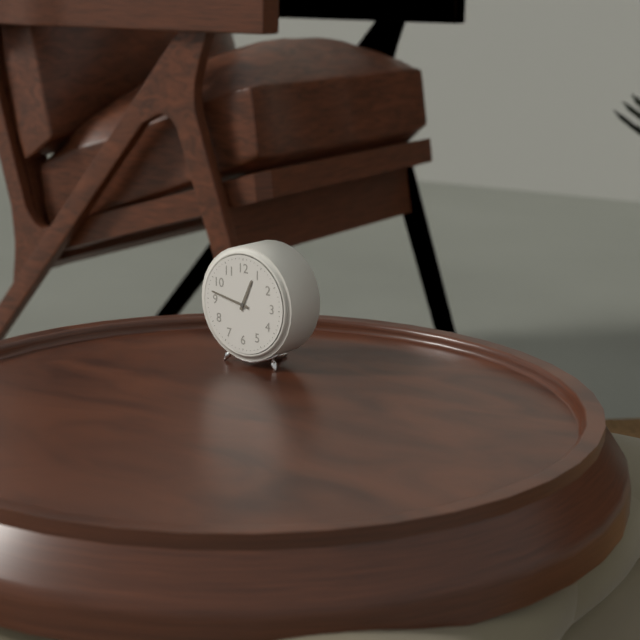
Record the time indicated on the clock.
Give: 12:47
